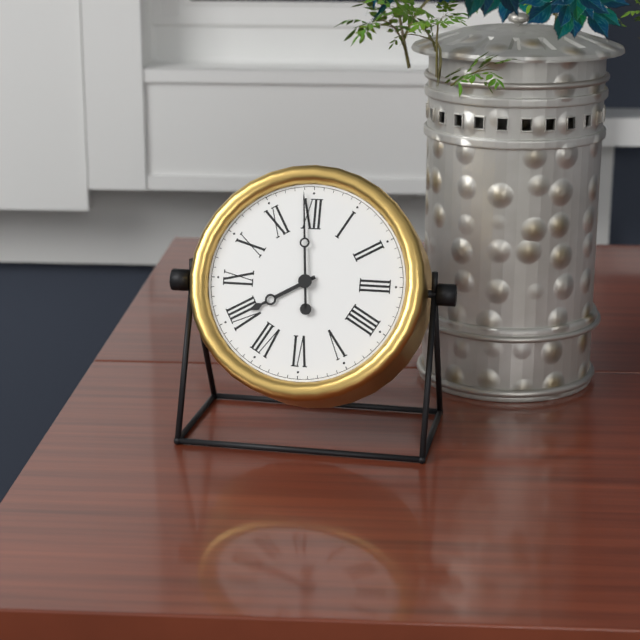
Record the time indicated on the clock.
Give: 7:59
